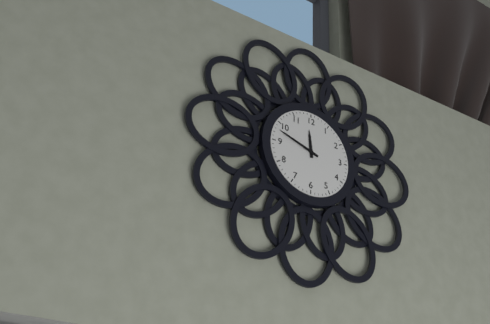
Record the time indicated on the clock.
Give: 11:48
